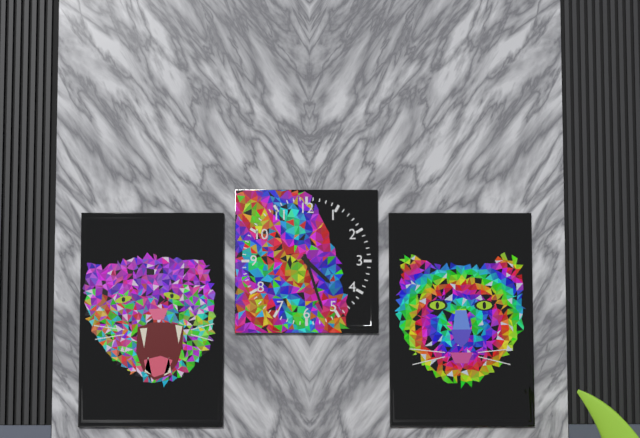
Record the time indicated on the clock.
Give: 4:27
